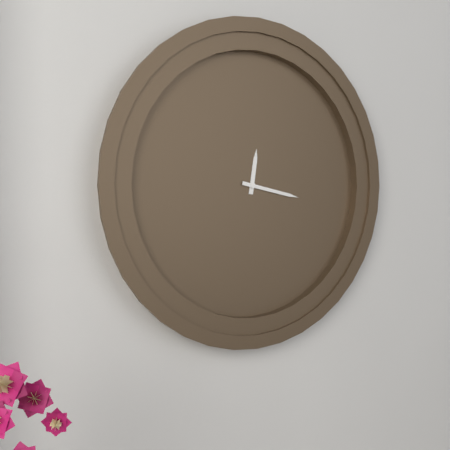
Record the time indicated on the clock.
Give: 12:17
